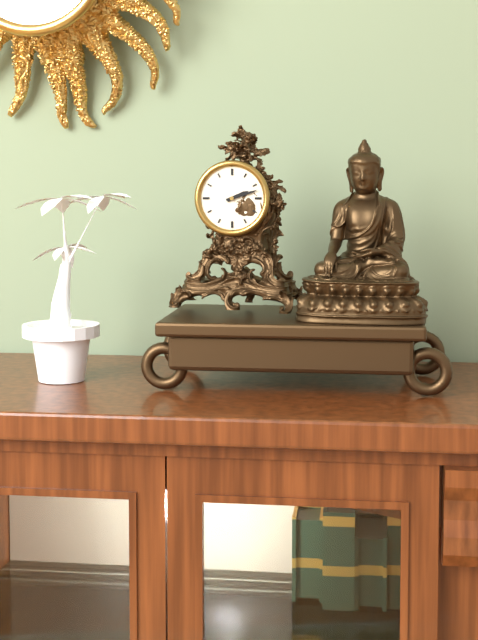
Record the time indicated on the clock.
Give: 2:12
